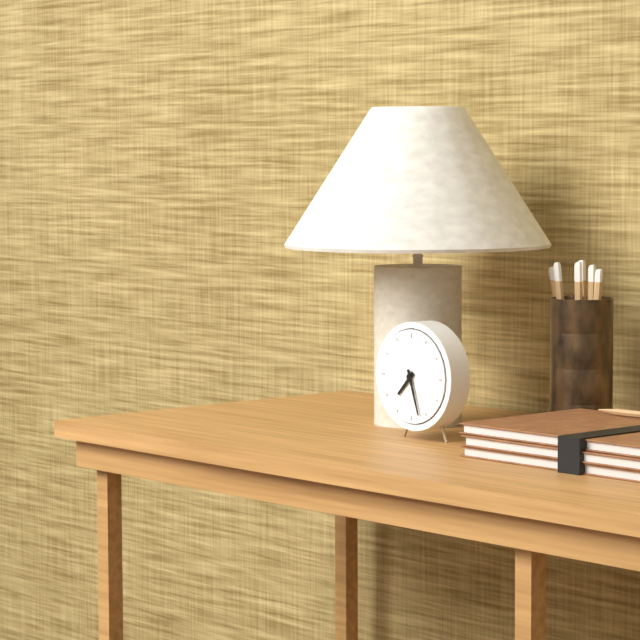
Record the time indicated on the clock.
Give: 7:27
